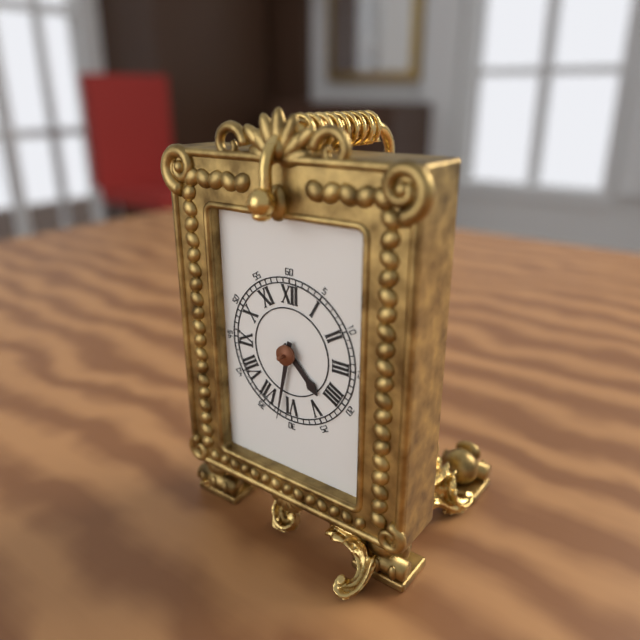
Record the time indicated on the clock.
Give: 4:32
